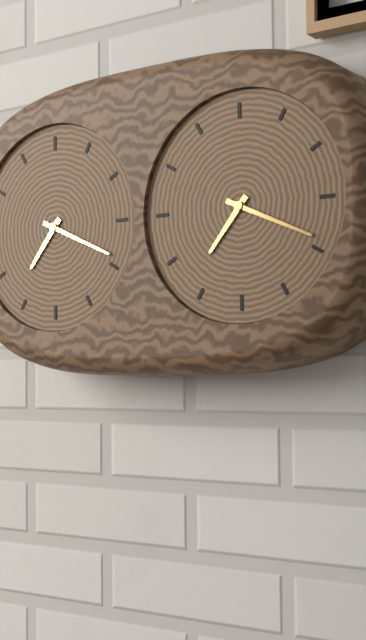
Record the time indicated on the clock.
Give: 7:19
